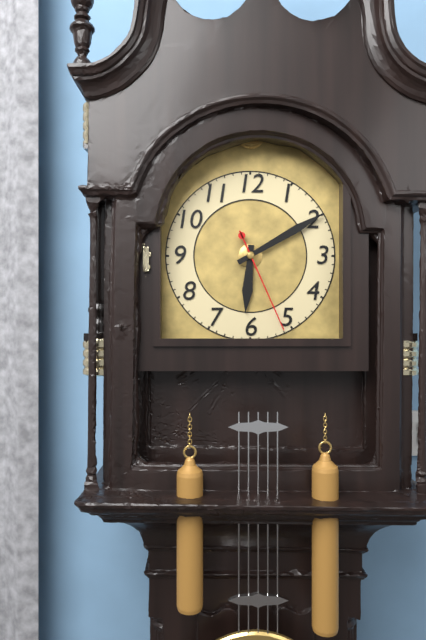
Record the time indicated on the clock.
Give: 6:10:26
